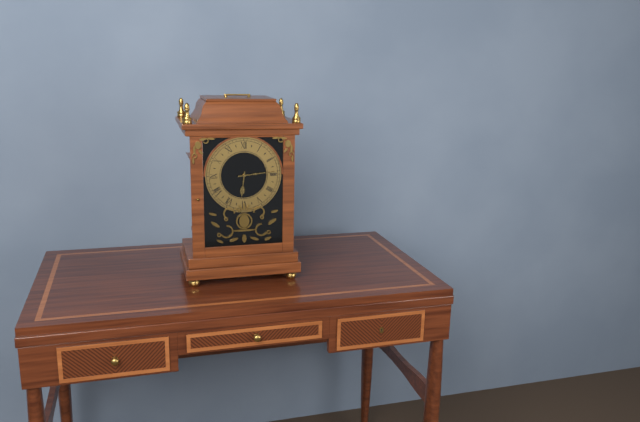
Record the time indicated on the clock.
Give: 6:14
